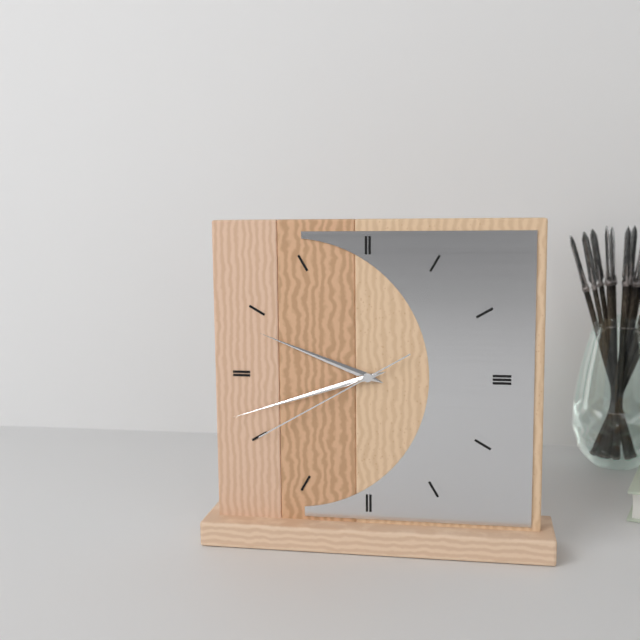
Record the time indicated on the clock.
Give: 9:42:40
